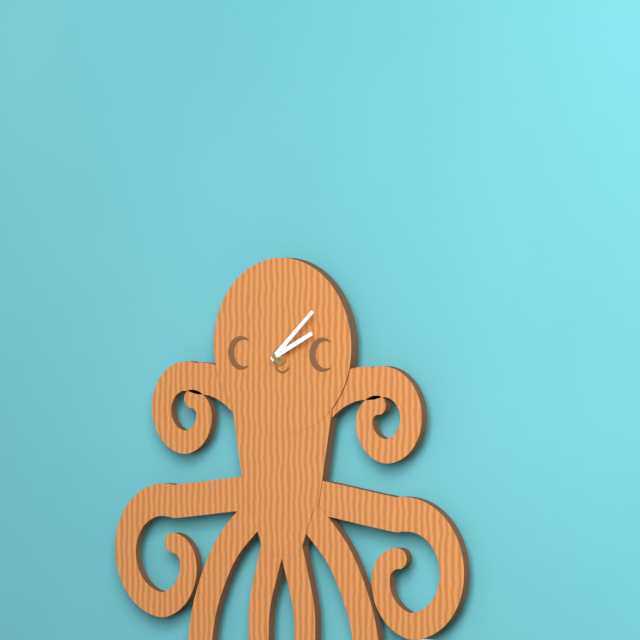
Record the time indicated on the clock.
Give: 2:08
